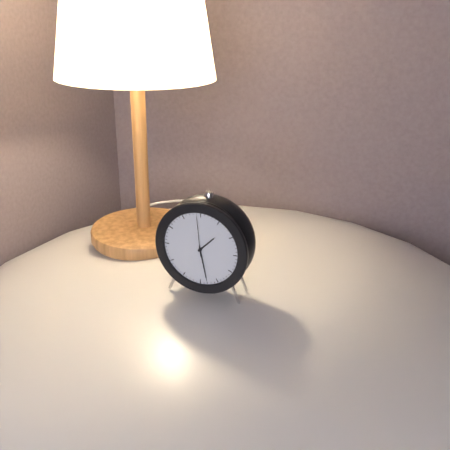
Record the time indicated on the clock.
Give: 1:28
